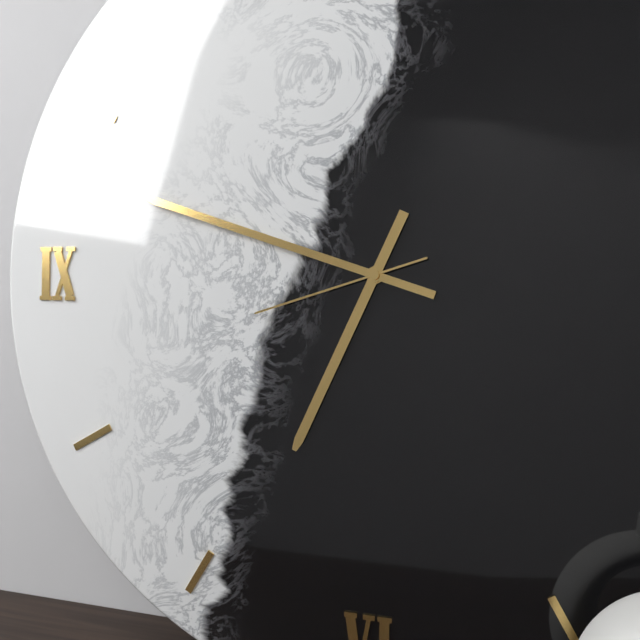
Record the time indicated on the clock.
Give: 6:48:42
